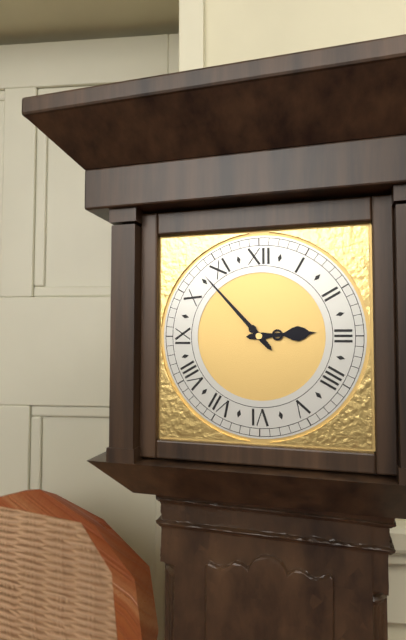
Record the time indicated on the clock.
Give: 2:53
